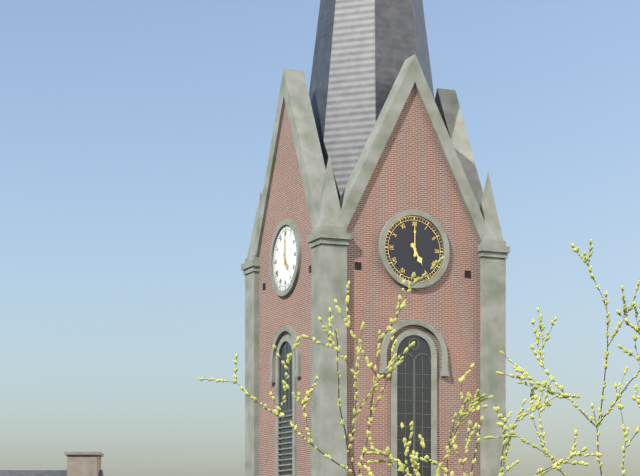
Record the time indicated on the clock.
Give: 5:00
